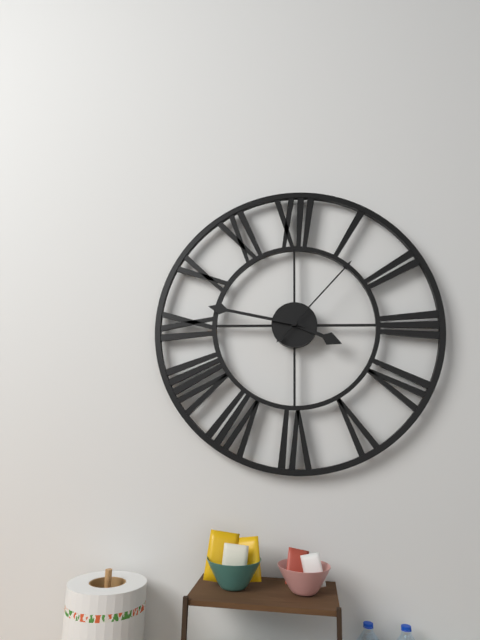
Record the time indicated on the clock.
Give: 3:47:07
